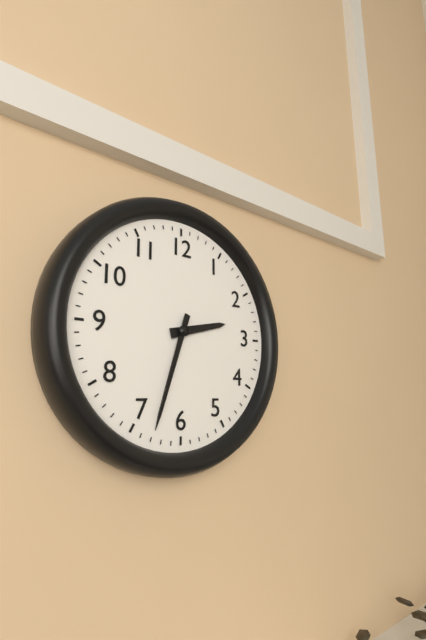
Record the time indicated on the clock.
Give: 2:33
